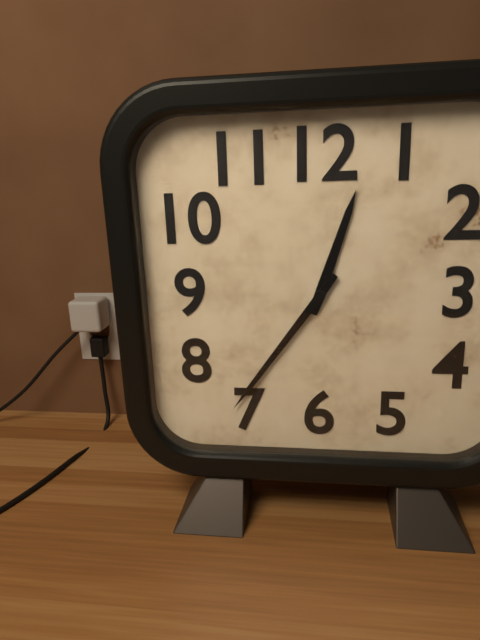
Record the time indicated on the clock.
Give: 12:36
